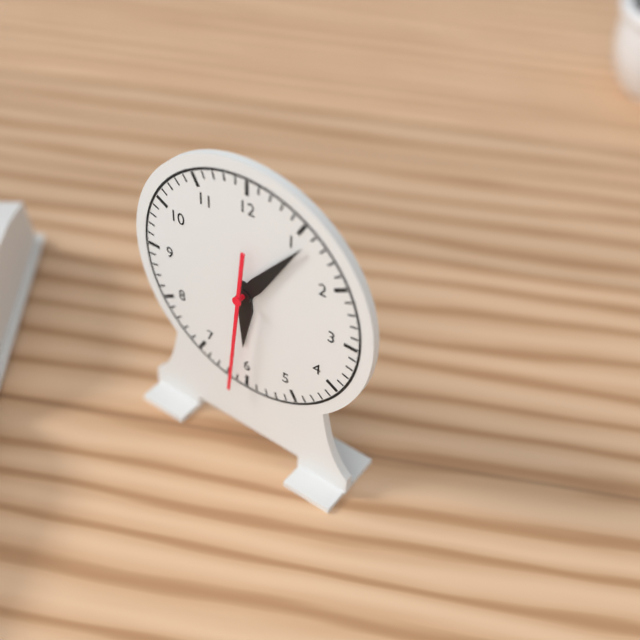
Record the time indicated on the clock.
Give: 6:06:31
